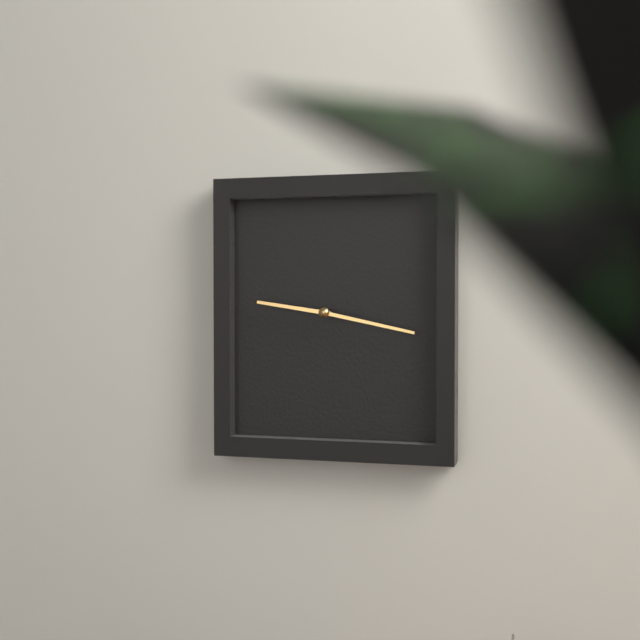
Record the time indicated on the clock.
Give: 9:17
